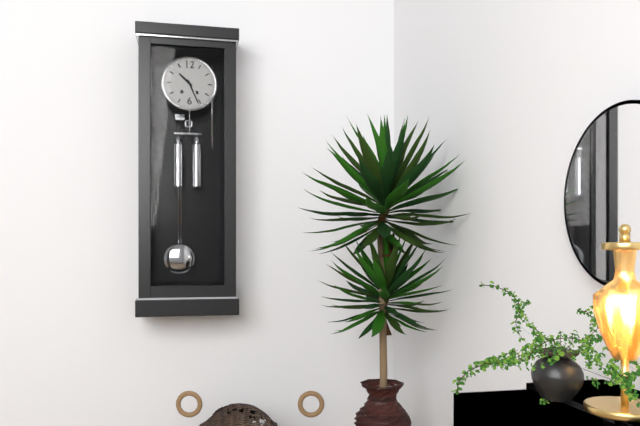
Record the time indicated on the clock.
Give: 10:26
